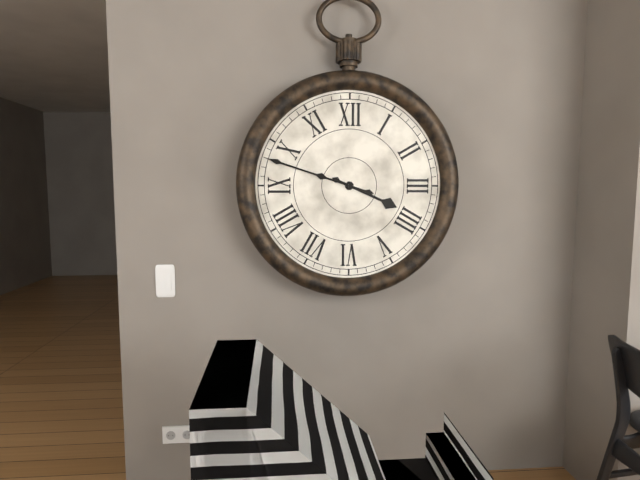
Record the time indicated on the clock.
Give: 3:48
